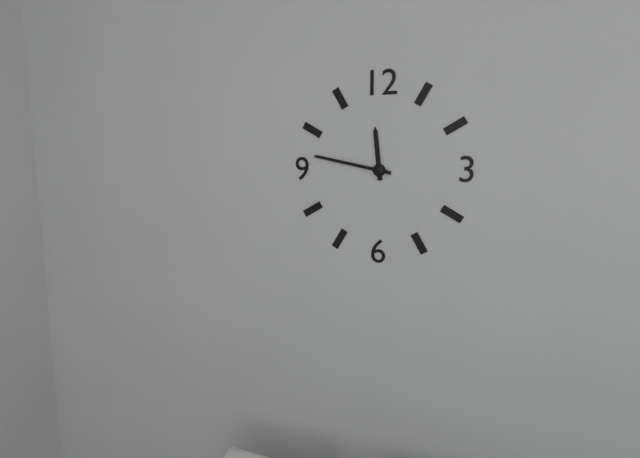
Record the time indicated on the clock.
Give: 11:47
